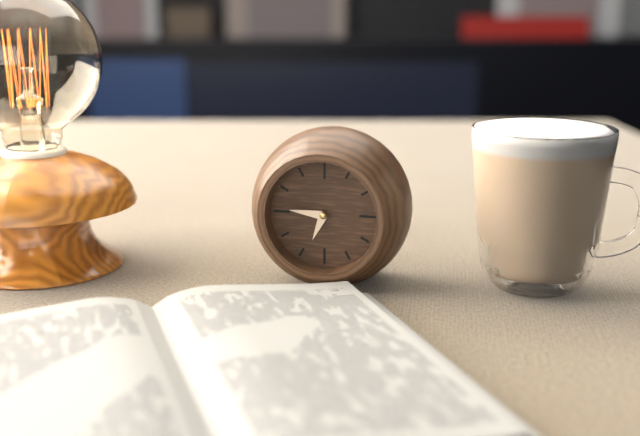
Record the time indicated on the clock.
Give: 6:46
